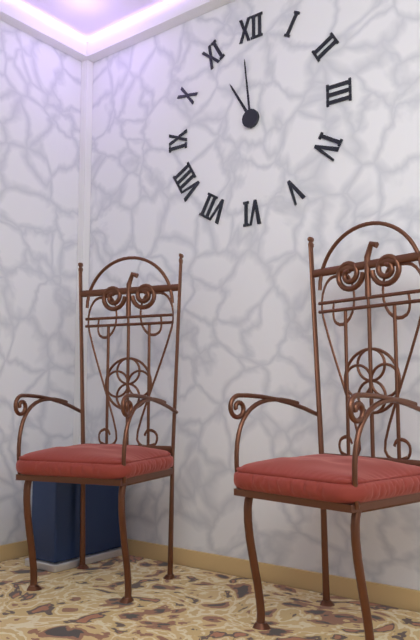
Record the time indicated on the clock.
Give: 10:59
